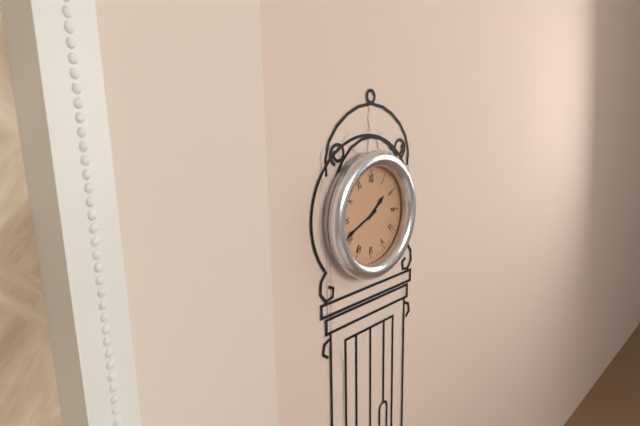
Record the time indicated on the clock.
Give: 1:41
